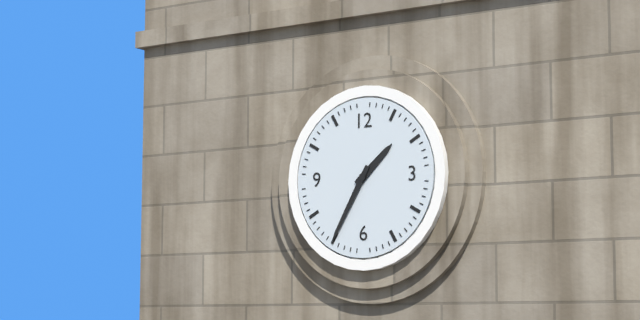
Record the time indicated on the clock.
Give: 1:35
